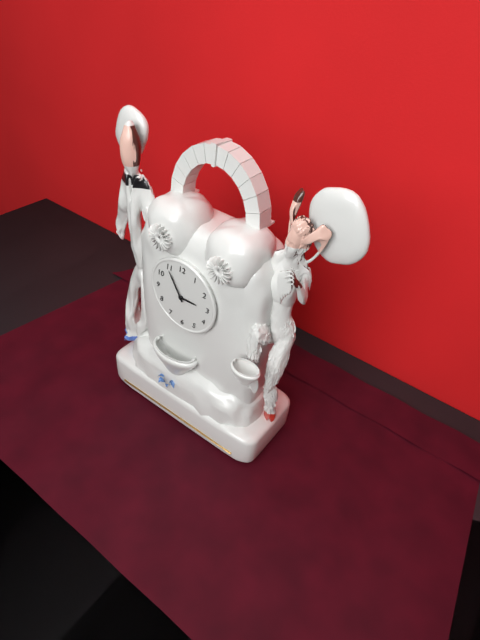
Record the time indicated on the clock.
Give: 2:55
